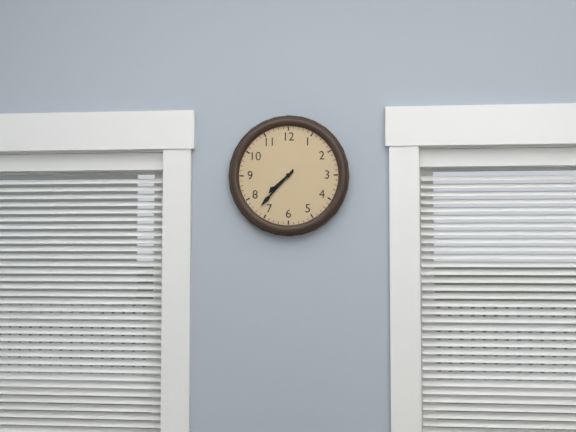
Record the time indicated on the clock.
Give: 7:37
